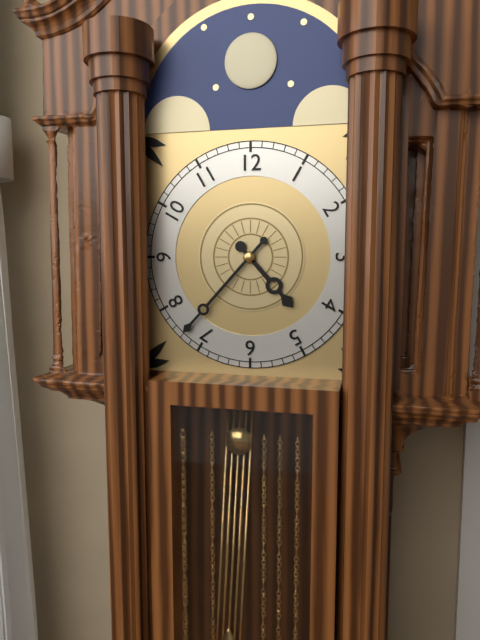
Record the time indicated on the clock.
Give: 4:37
